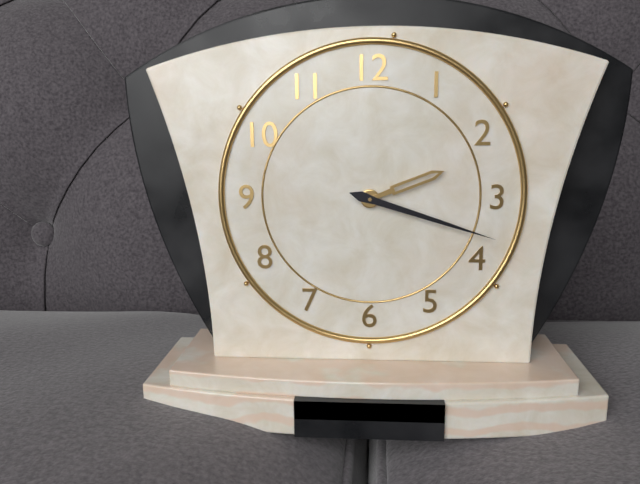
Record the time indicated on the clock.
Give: 2:18
